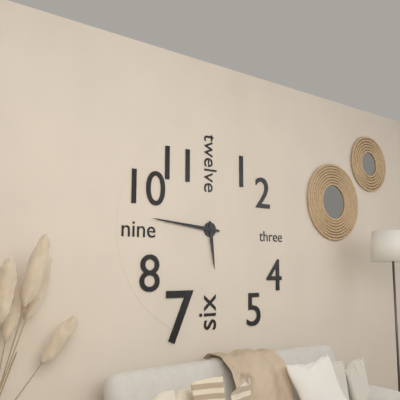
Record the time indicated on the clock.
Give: 5:46
